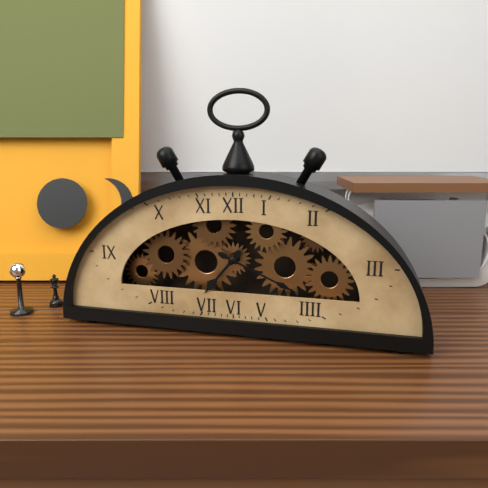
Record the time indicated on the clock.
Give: 7:19
